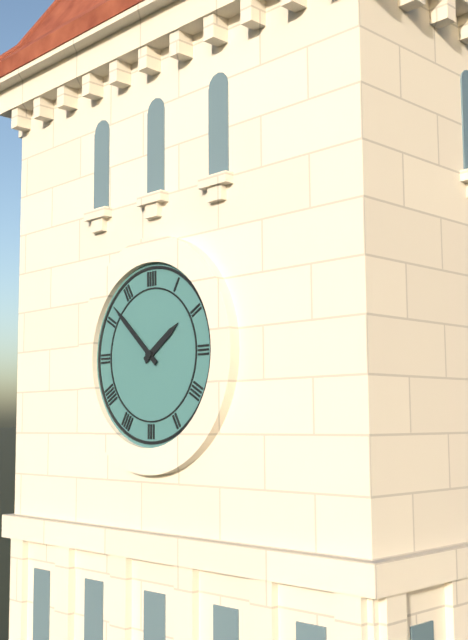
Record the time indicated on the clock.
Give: 1:52
